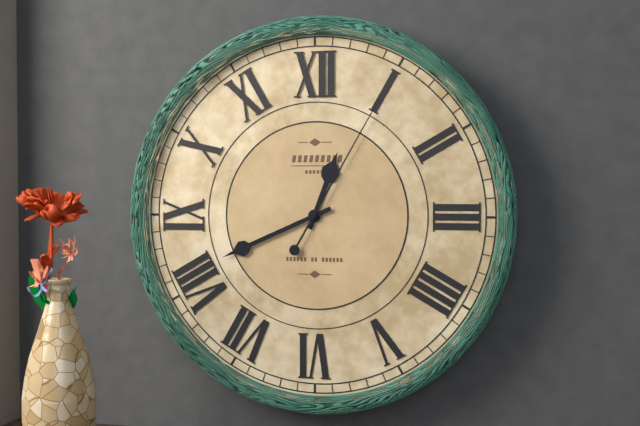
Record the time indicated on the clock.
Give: 12:41:05
